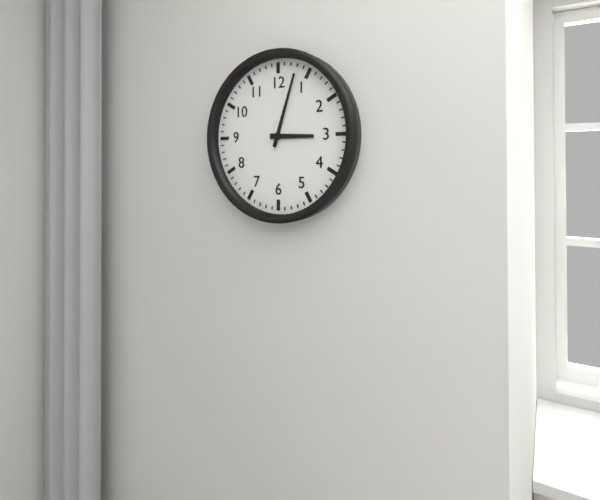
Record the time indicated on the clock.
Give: 3:03
